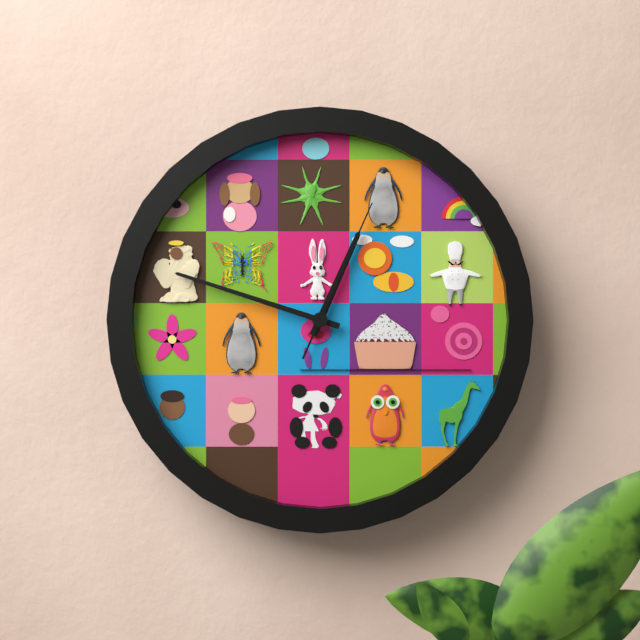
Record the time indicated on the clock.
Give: 12:48:04
